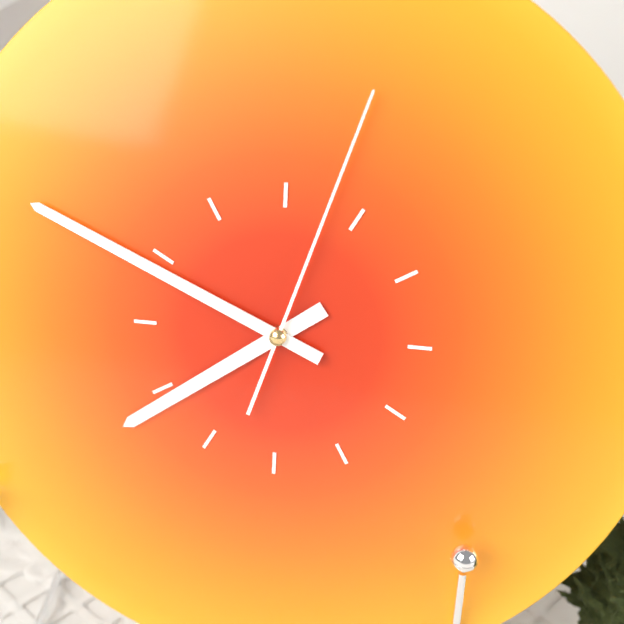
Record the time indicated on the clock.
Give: 7:49:03
